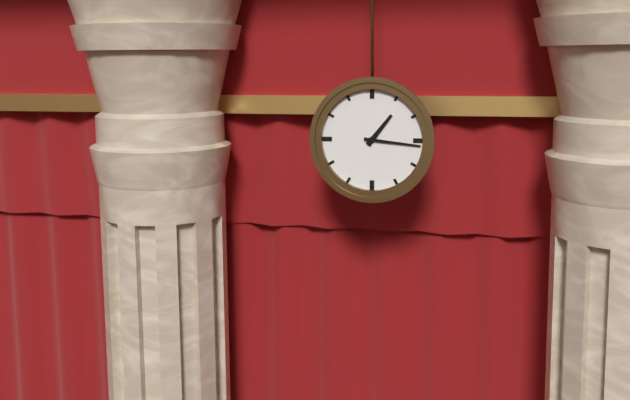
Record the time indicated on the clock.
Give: 1:16
